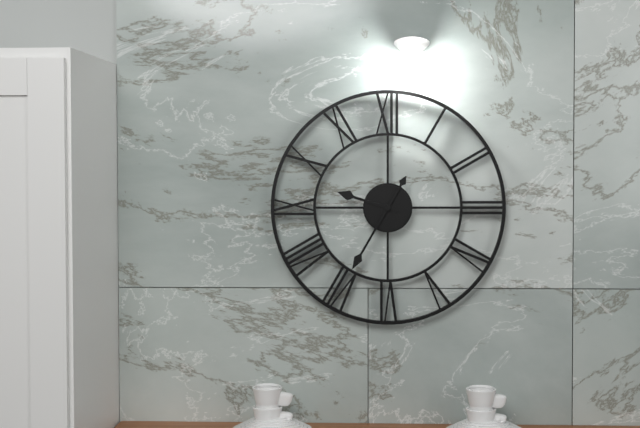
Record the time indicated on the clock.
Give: 9:35
